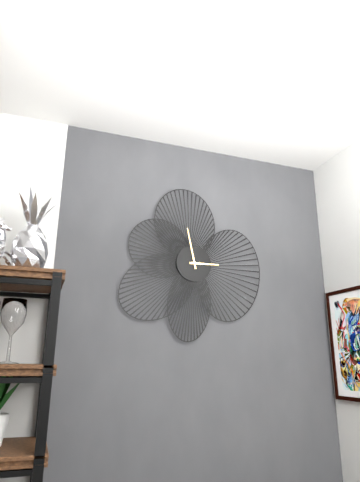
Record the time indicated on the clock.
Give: 2:58
